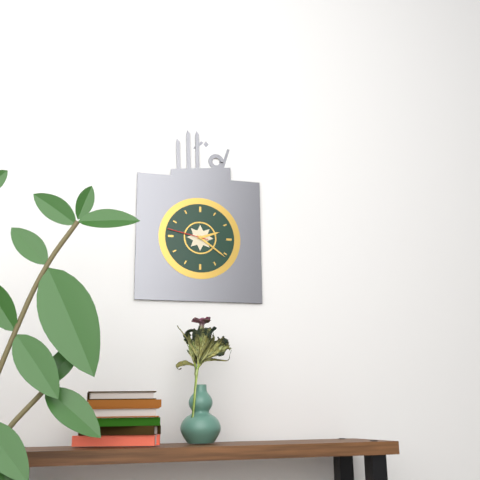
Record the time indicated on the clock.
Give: 2:21
